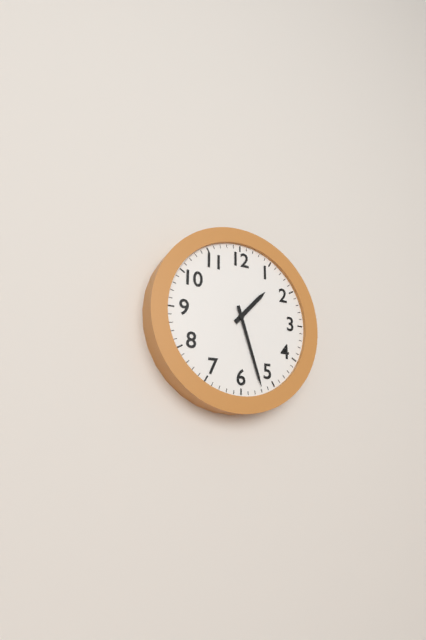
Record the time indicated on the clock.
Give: 1:27
